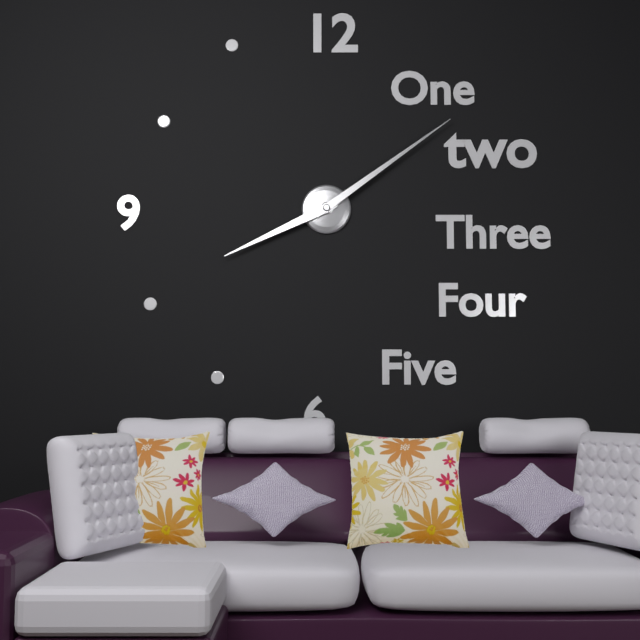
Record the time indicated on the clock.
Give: 8:09
